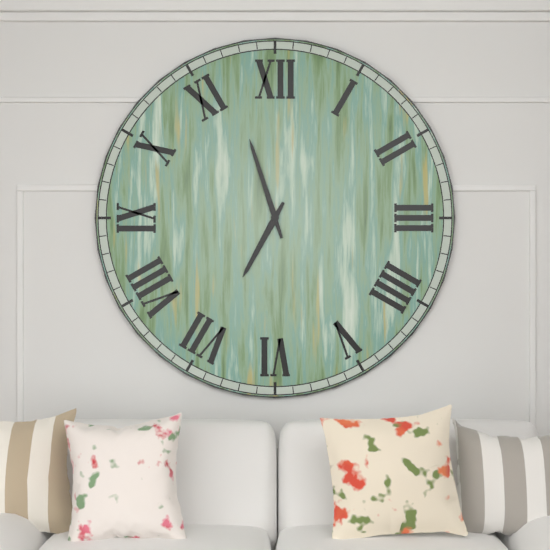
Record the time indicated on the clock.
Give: 6:57
